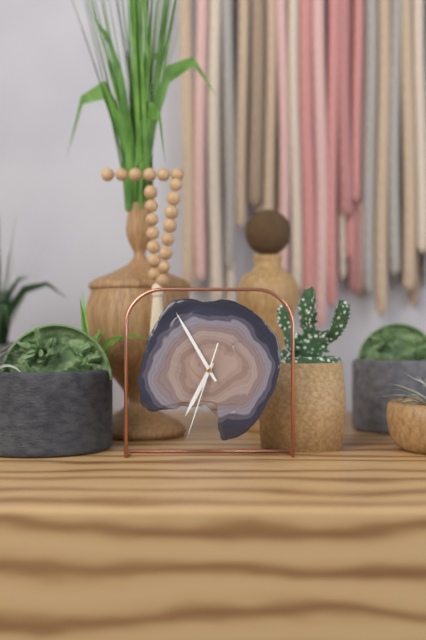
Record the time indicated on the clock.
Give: 6:55:33
